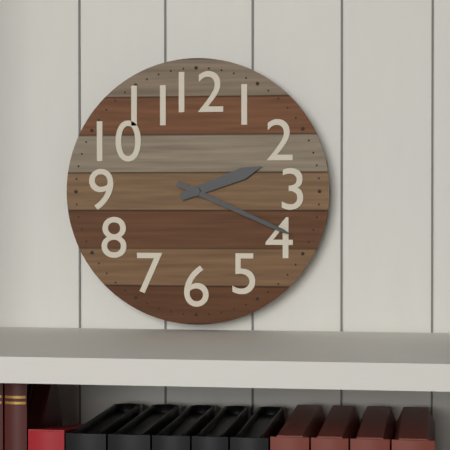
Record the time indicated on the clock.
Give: 2:19
